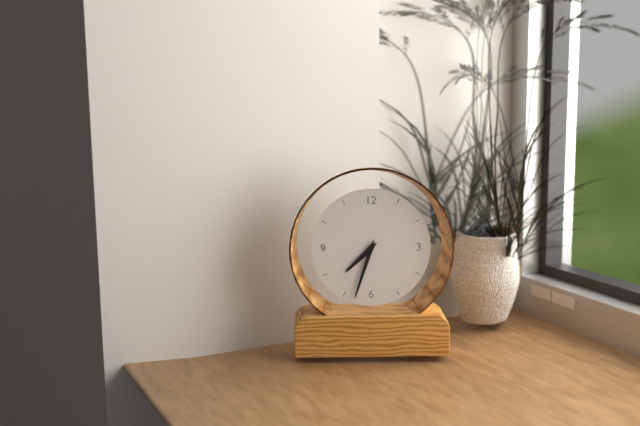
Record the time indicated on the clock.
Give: 7:33
